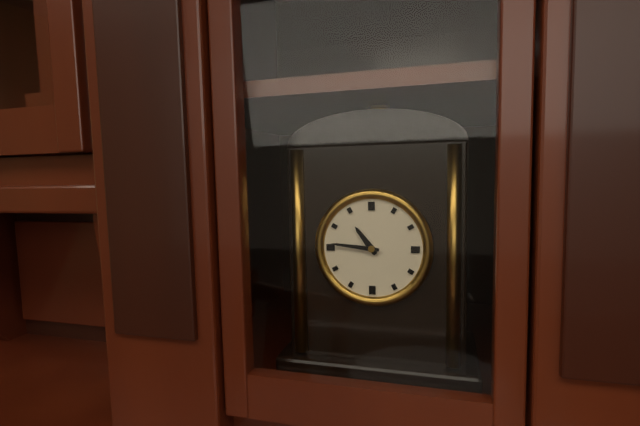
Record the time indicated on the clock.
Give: 10:46
